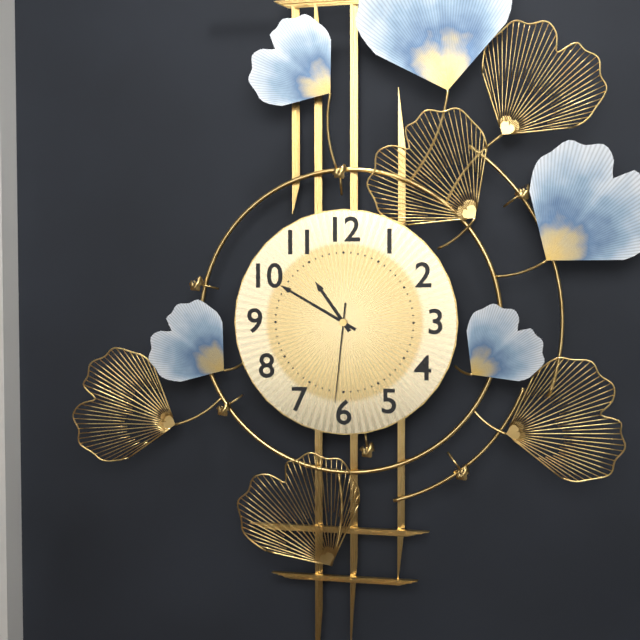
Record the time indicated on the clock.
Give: 10:50:31
